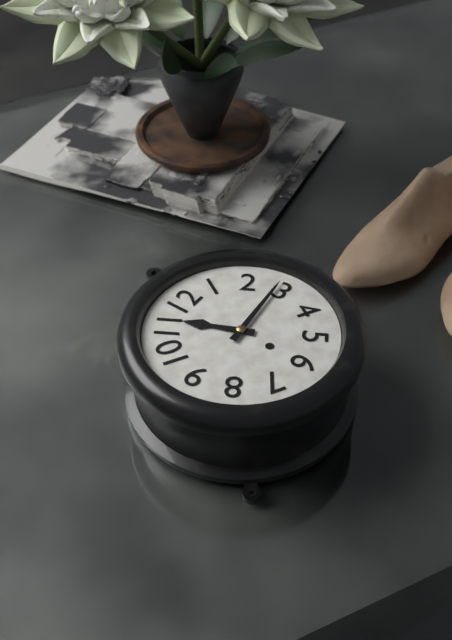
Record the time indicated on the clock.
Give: 11:14
